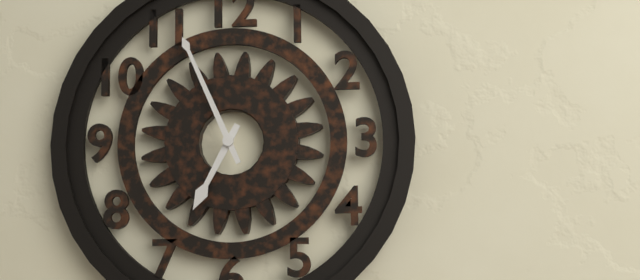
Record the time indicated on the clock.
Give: 6:56
